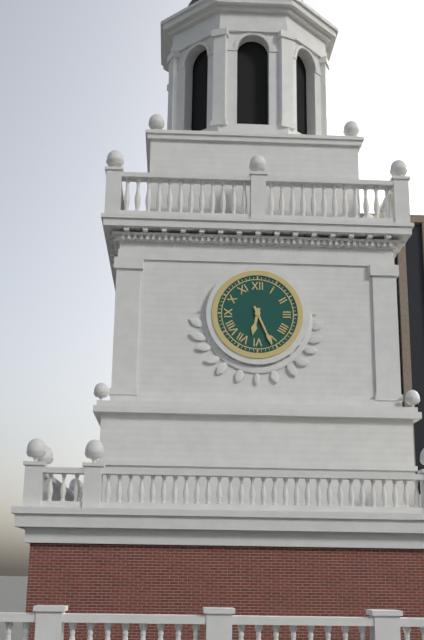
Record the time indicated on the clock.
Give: 6:26
